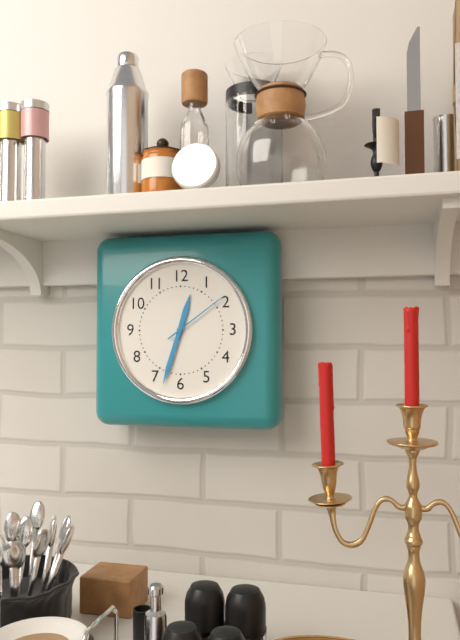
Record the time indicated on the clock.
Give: 12:33:09
